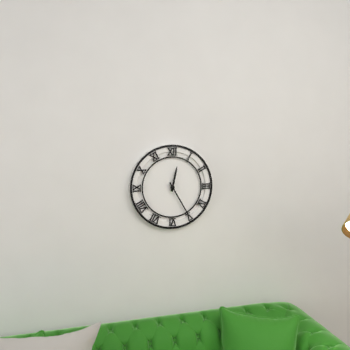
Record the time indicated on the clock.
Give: 12:25
